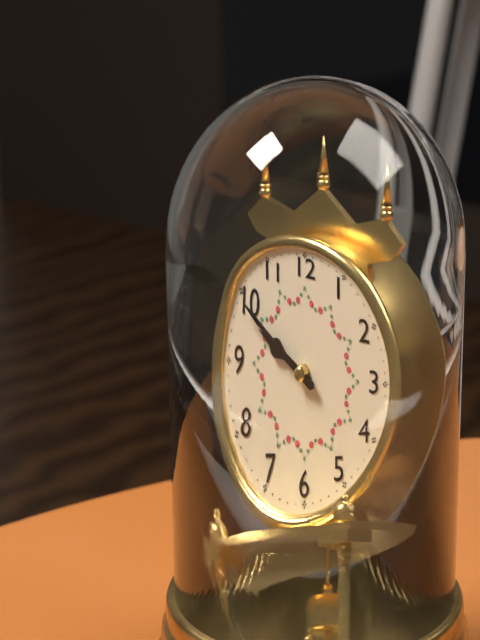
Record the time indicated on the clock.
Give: 9:50
